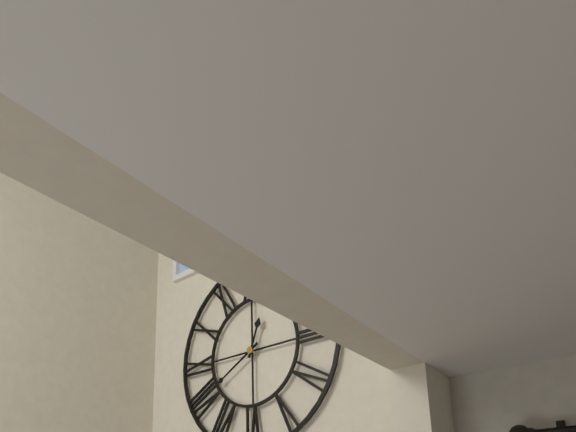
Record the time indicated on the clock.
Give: 12:40
